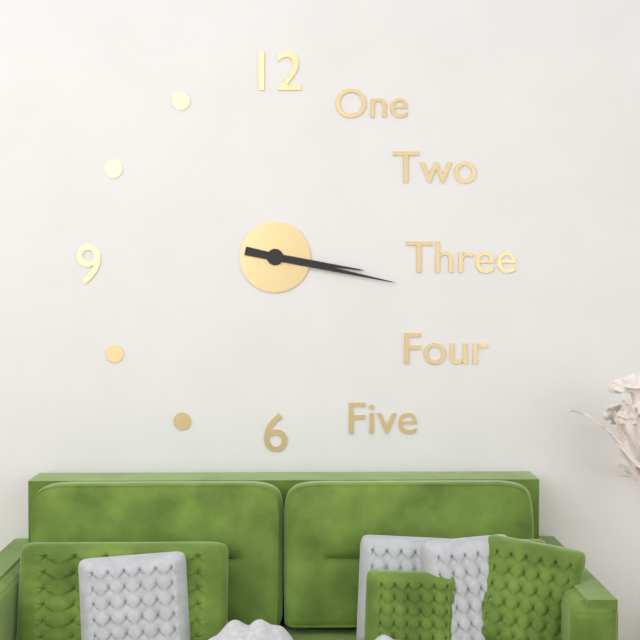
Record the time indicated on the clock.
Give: 3:17
